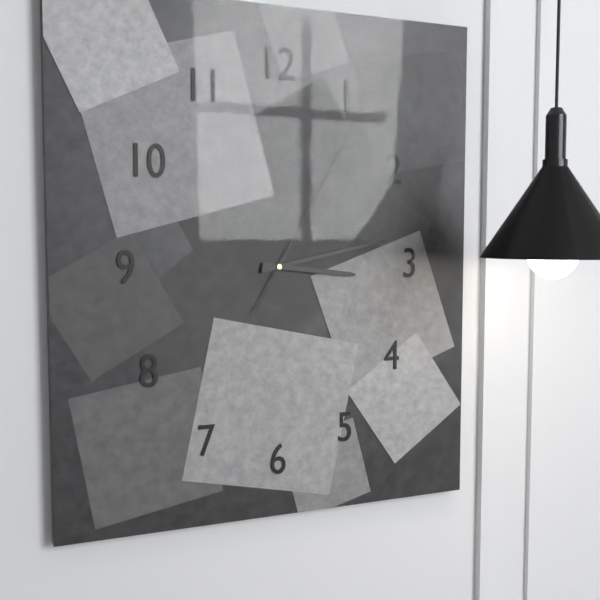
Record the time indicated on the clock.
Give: 3:13:05
